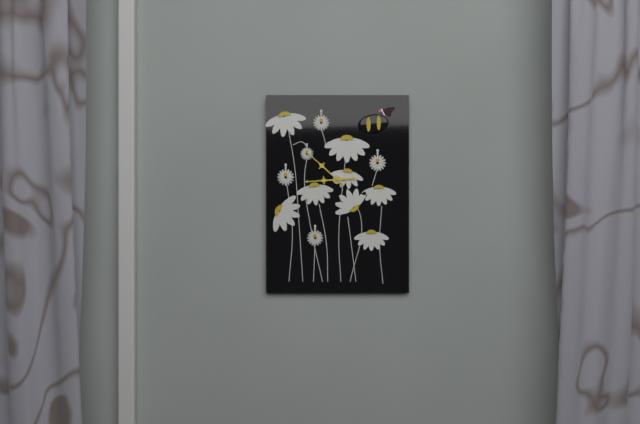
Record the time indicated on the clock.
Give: 8:52
